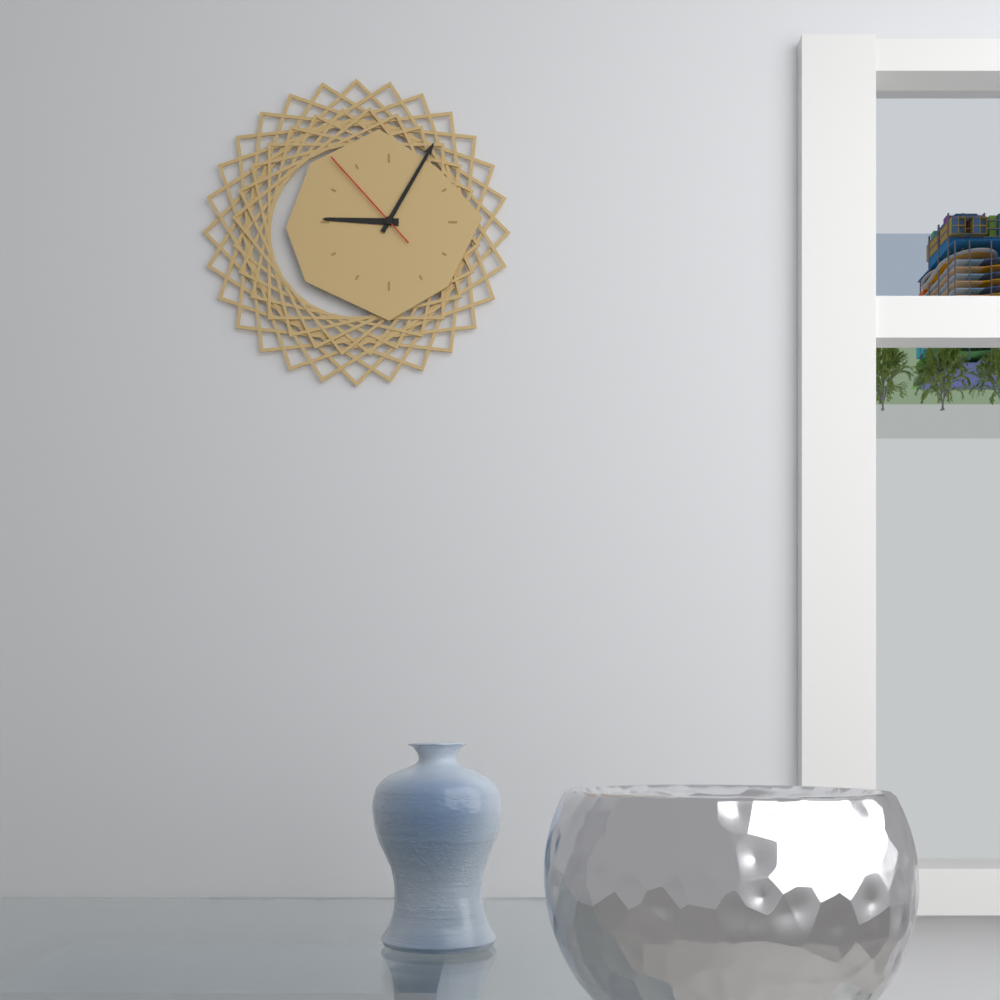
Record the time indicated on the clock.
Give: 9:05:53
